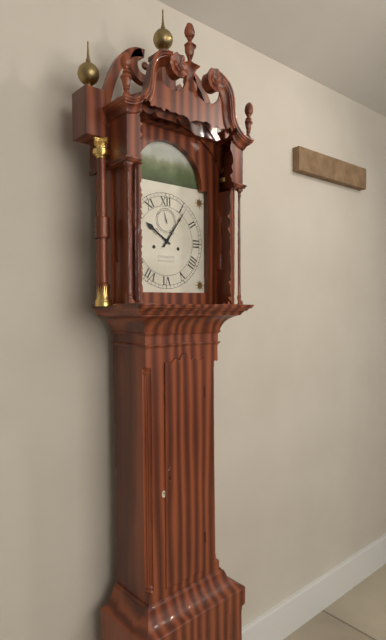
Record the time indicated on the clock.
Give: 10:06
